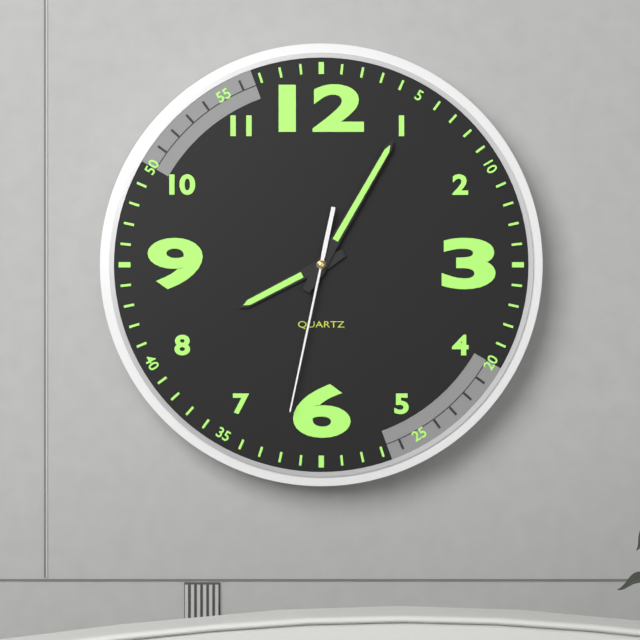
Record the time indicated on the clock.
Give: 8:05:32
